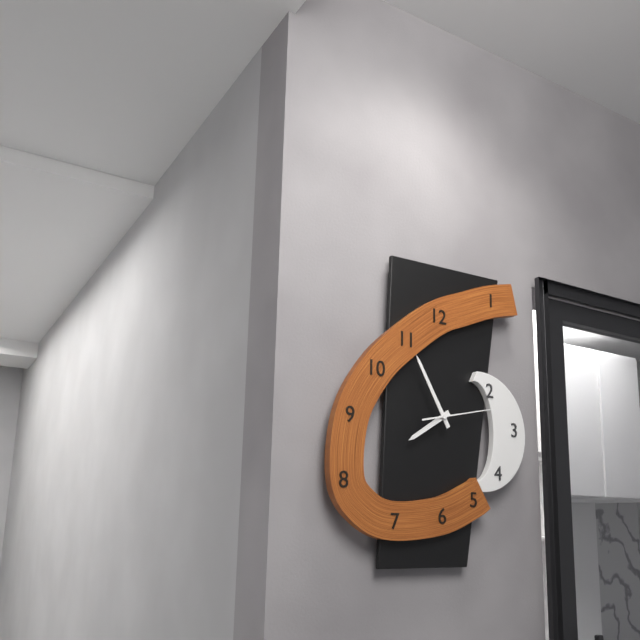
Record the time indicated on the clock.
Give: 7:55:13
